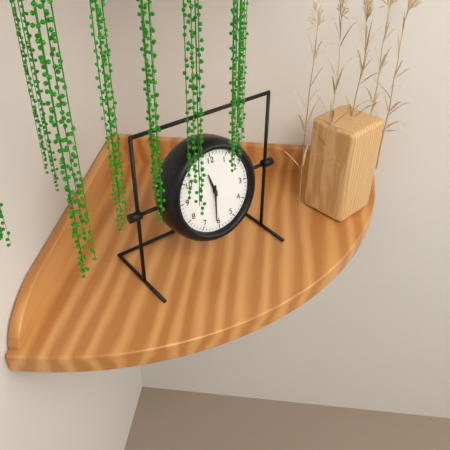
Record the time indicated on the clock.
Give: 11:31
